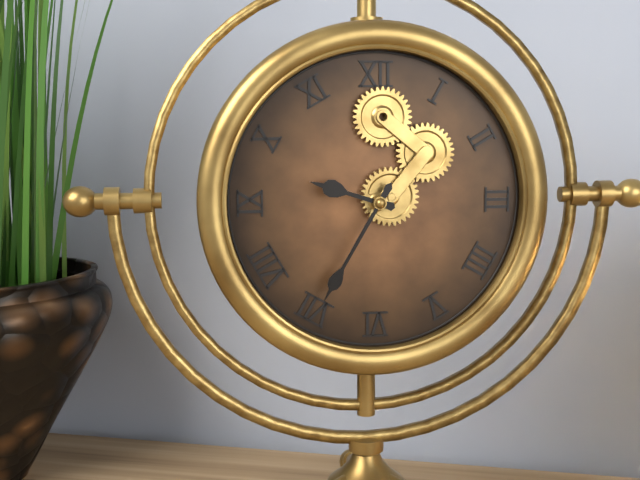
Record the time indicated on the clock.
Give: 9:35
